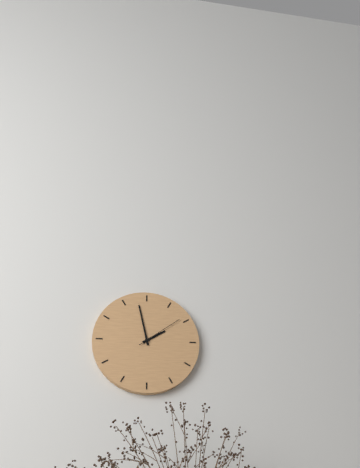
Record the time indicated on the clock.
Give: 1:58
